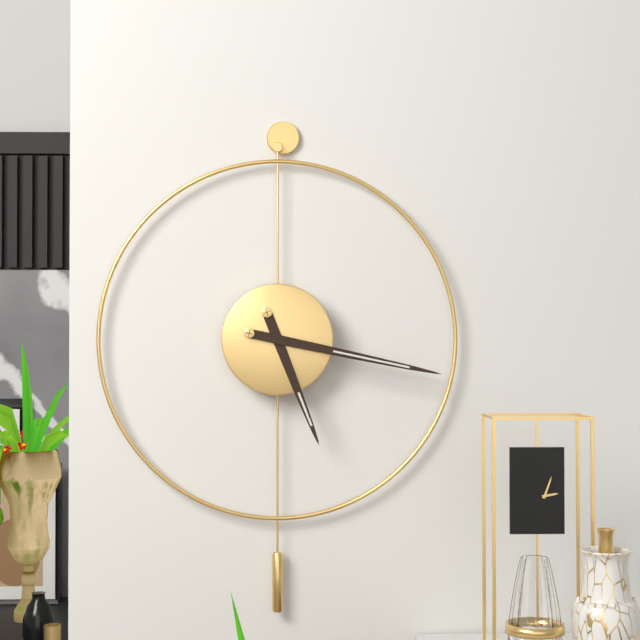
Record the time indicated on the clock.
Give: 5:17
